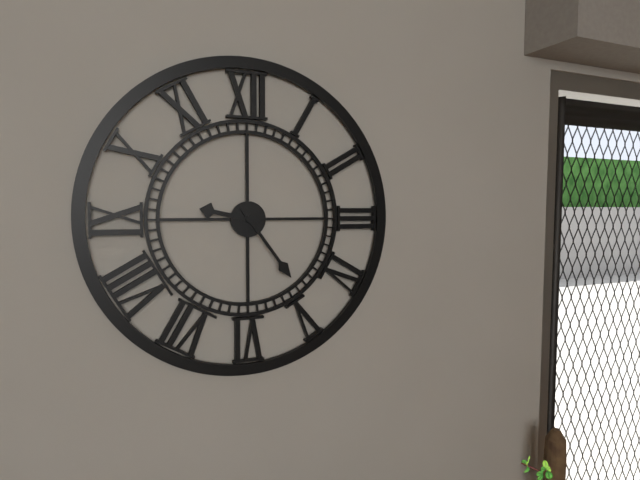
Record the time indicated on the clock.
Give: 9:24
